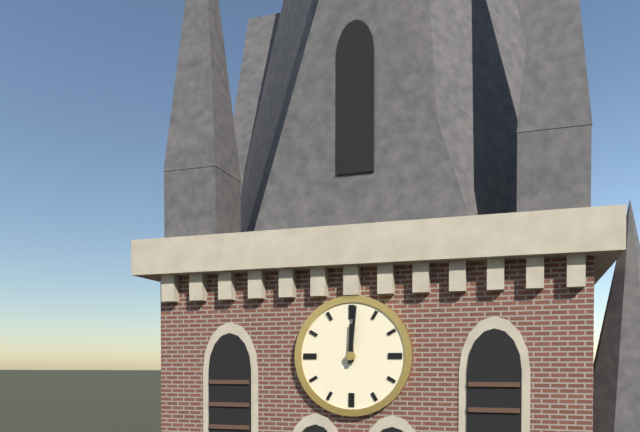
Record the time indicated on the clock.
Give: 12:01
